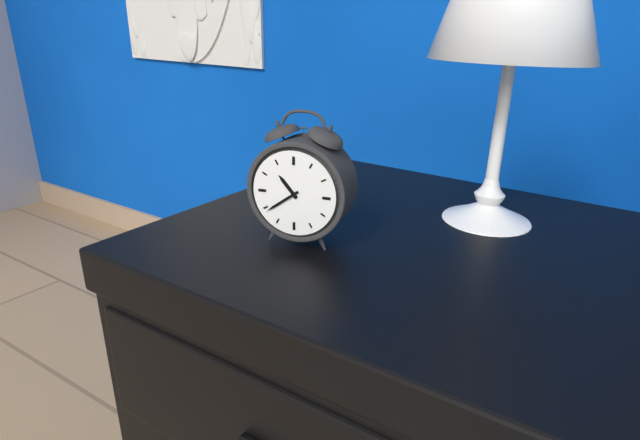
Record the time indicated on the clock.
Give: 10:39
